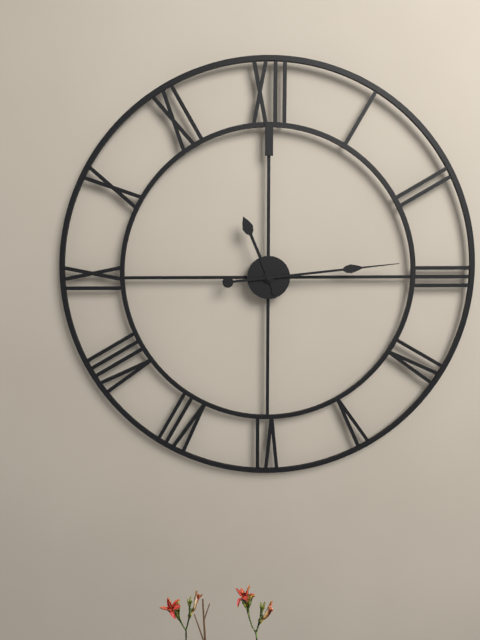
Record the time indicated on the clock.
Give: 11:14
